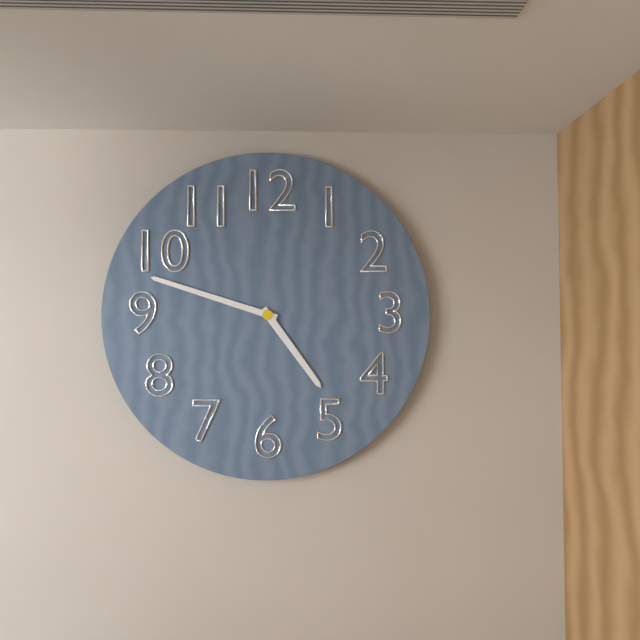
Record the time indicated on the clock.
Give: 4:48
